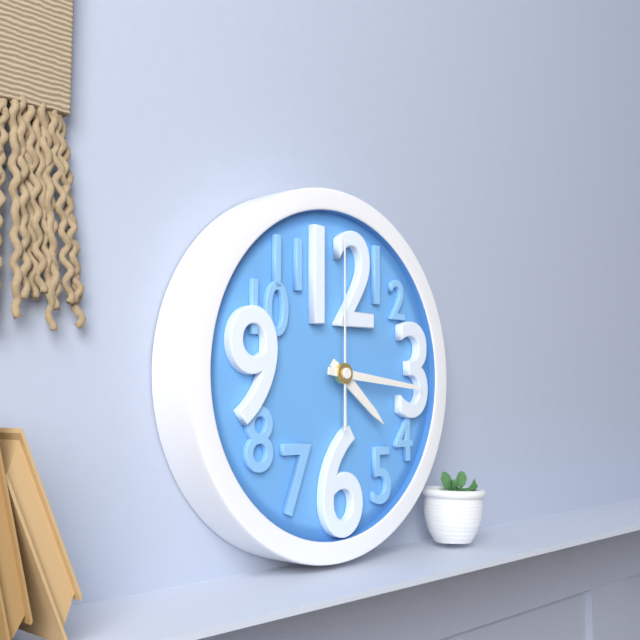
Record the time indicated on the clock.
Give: 4:16:00
